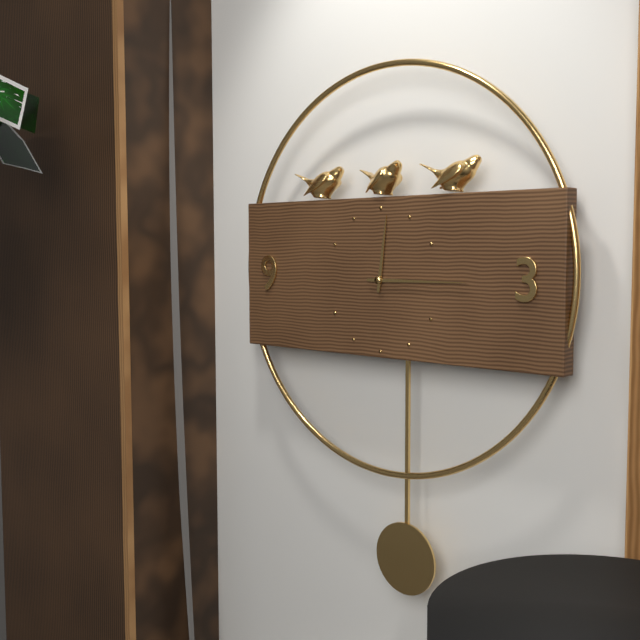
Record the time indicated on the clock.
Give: 12:15
